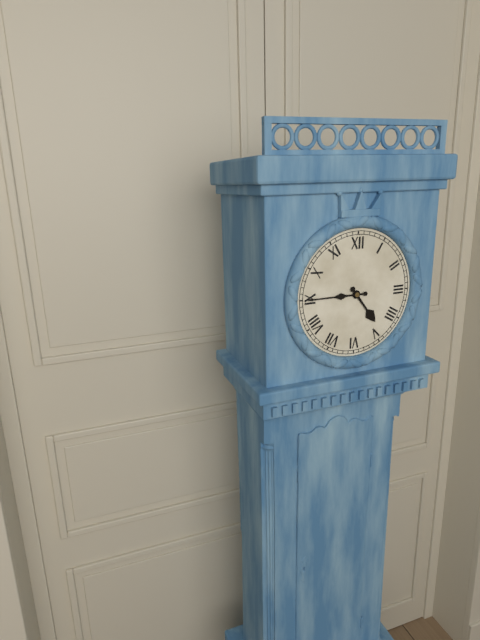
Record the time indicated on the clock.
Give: 4:45
